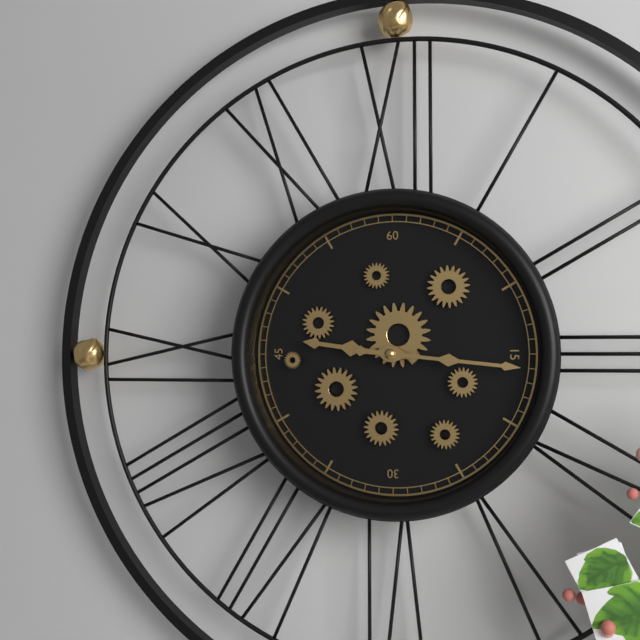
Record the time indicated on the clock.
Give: 9:16
